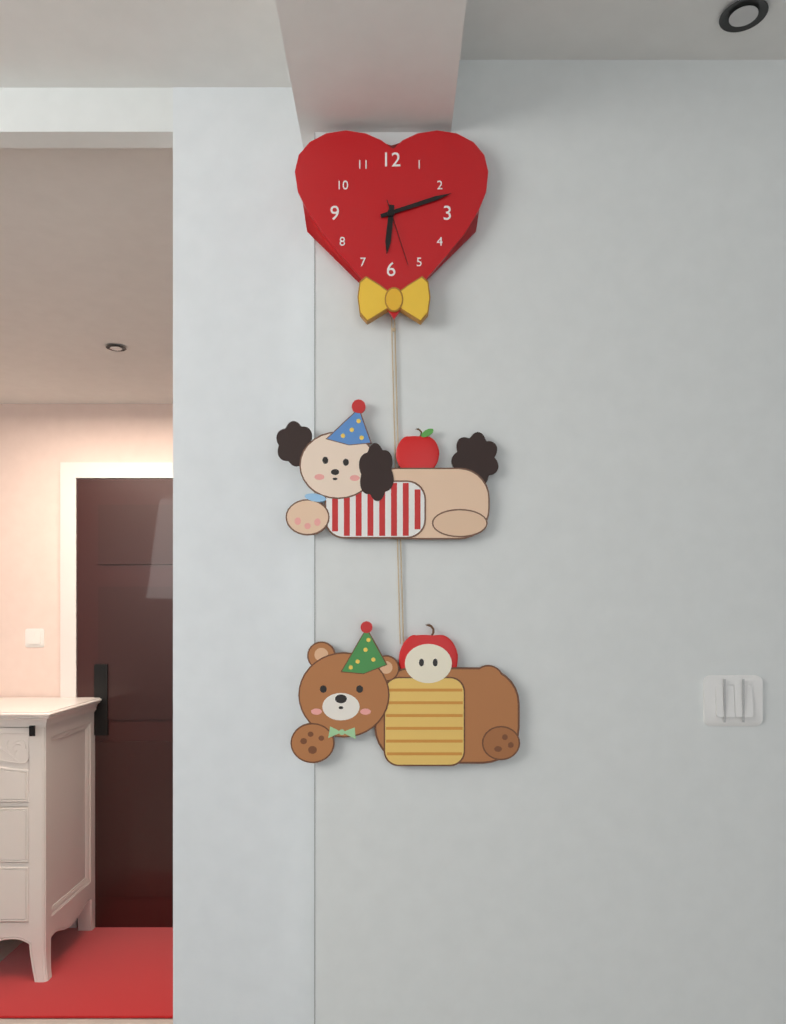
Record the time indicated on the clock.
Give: 6:12:27
